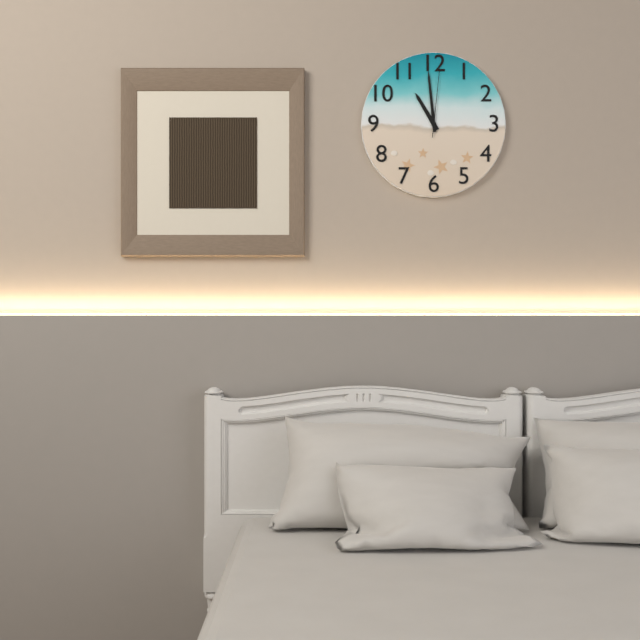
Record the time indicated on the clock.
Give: 10:59:01
